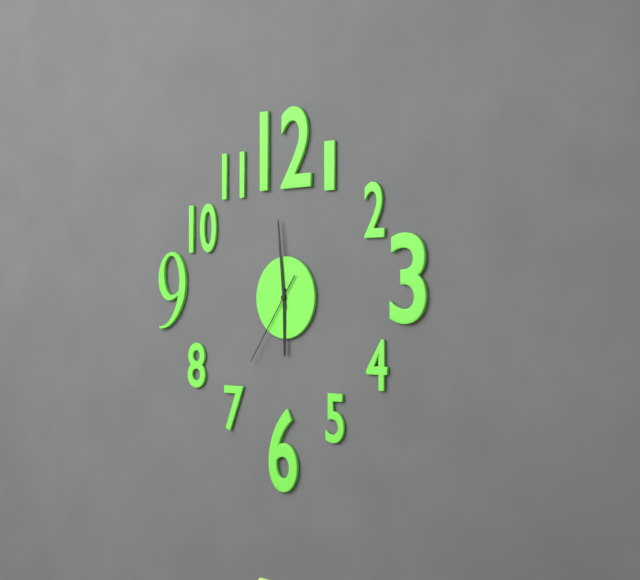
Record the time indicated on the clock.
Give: 5:59:36
